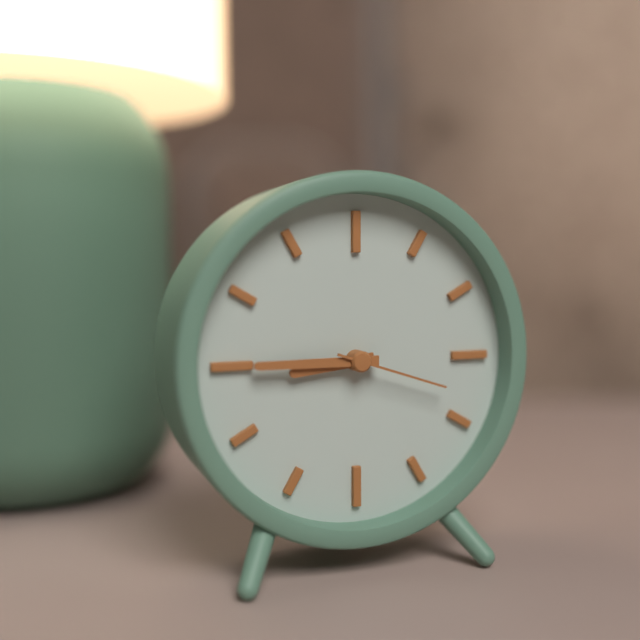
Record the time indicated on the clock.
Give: 8:45:18
